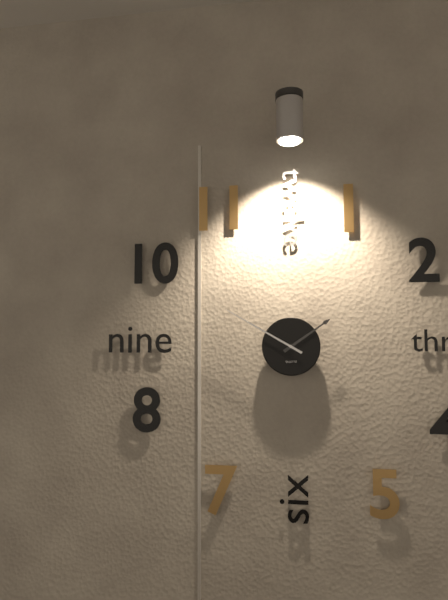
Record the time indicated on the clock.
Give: 1:50
